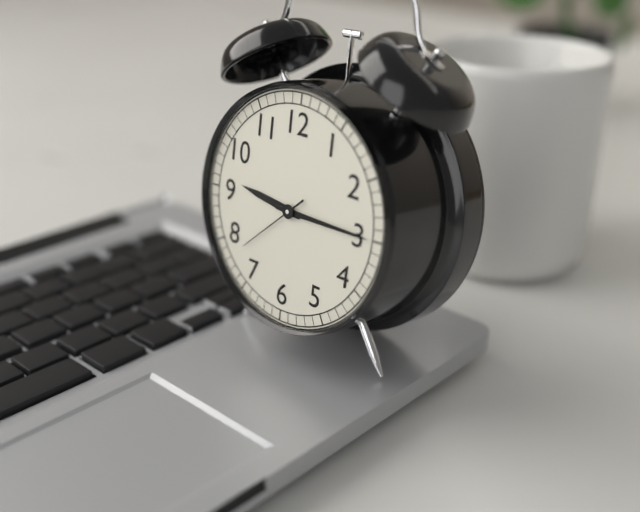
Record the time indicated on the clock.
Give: 9:15:38
